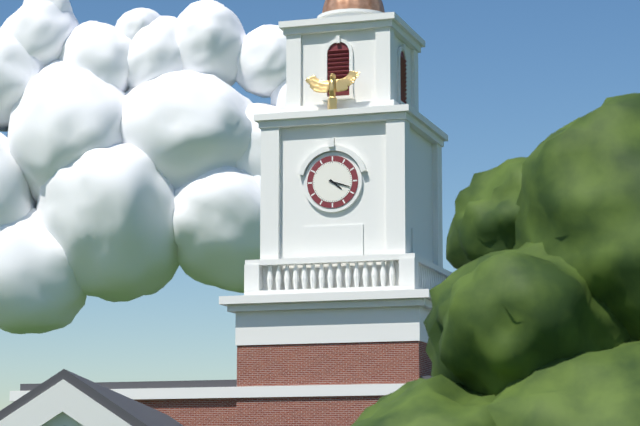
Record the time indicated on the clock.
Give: 4:18
